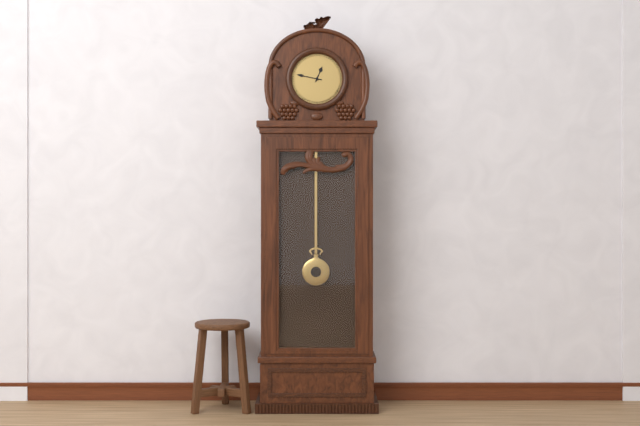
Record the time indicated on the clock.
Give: 12:47
